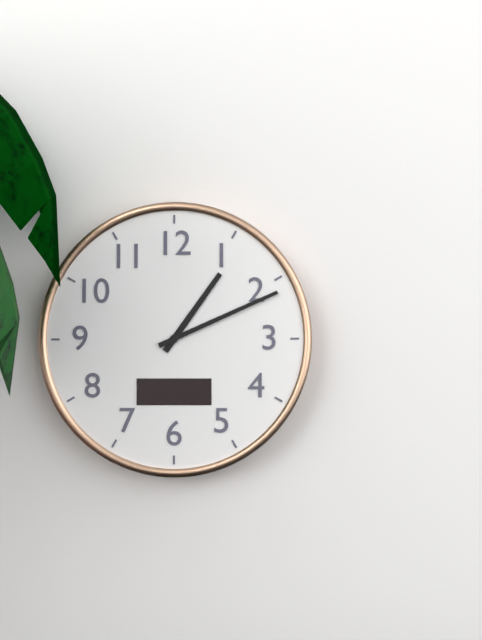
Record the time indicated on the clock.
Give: 1:11
